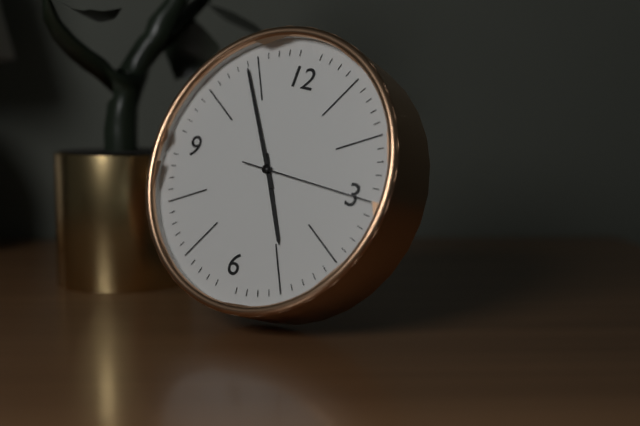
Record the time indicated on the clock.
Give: 4:54:15
